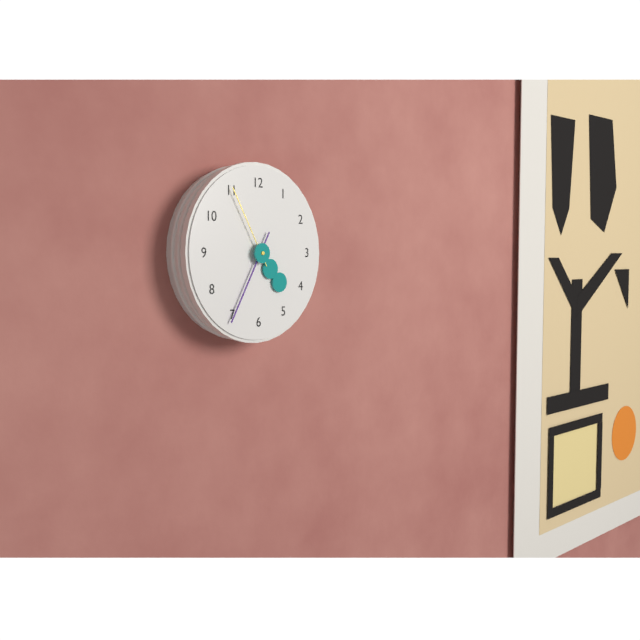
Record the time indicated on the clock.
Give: 4:35:55
